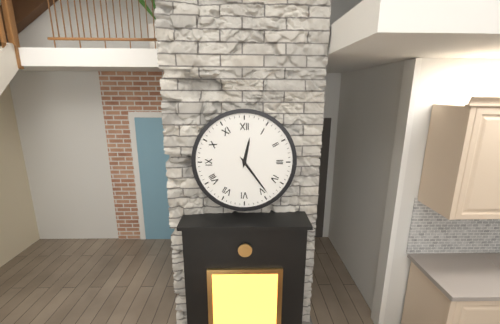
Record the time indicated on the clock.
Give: 12:24
